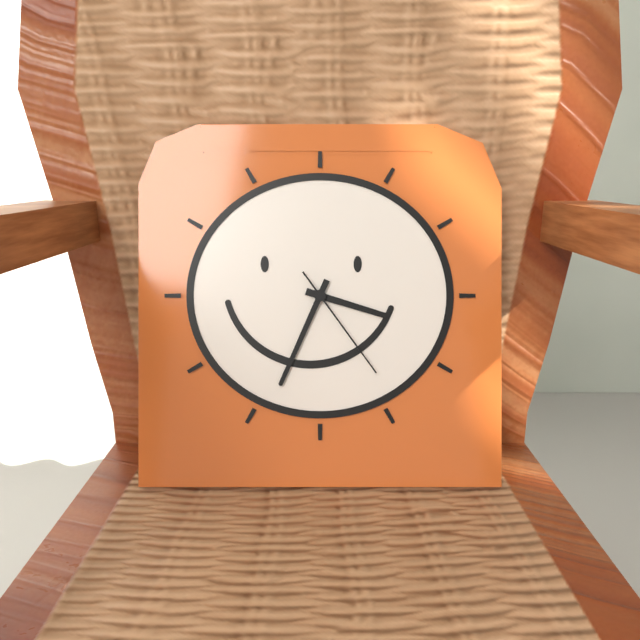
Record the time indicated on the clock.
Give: 3:34:24
